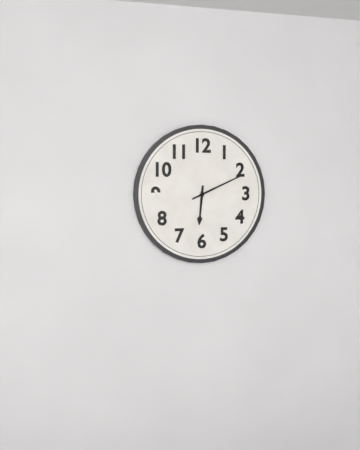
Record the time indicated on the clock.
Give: 6:11
